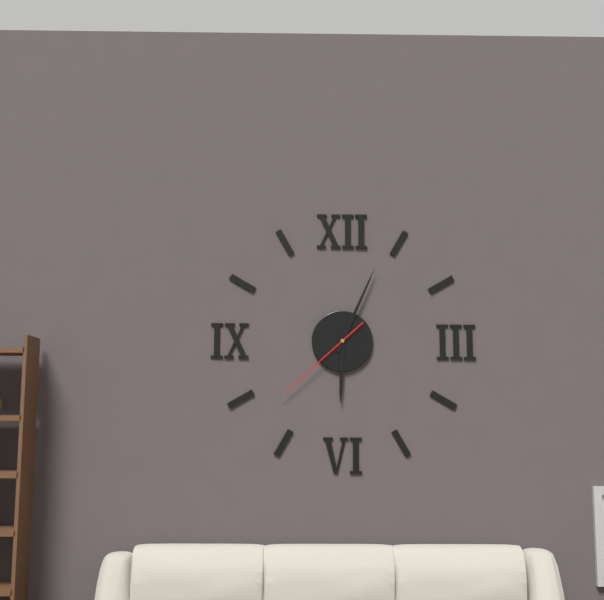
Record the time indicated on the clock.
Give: 6:04:38
